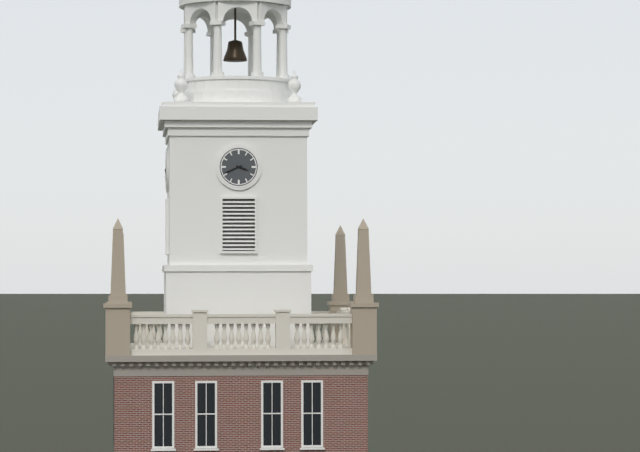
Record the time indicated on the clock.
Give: 3:41
